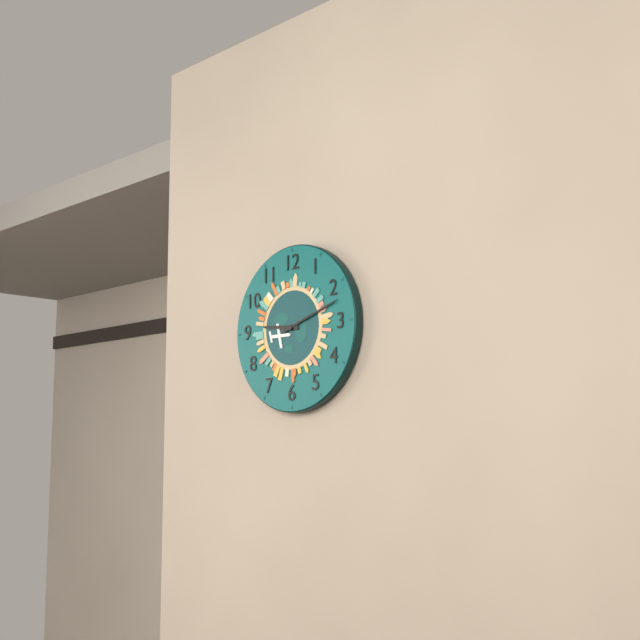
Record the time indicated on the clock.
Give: 9:12
